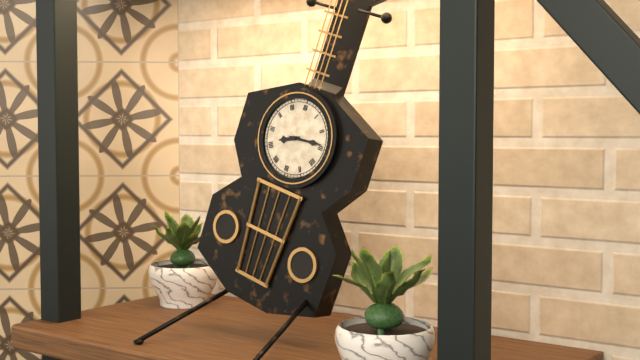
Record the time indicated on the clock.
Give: 8:14
